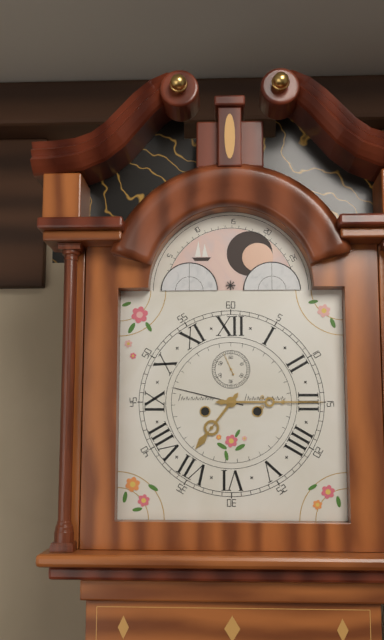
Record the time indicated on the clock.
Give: 7:15
